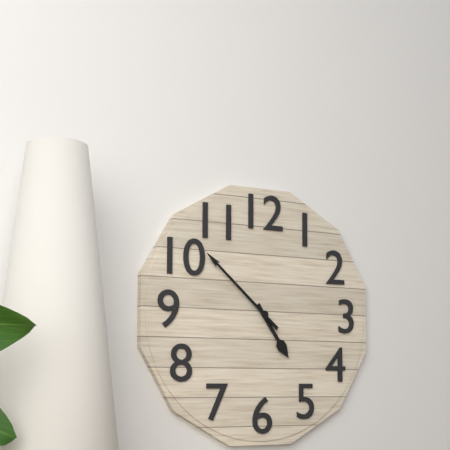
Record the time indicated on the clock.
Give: 4:52
